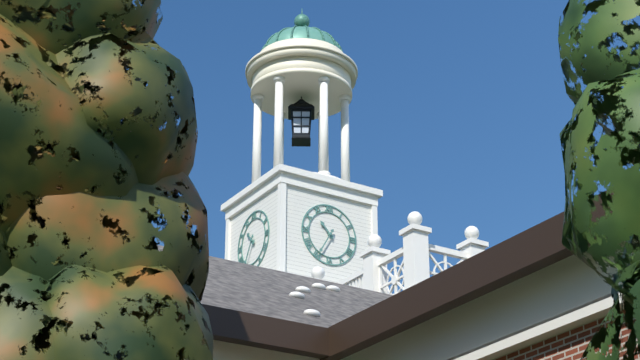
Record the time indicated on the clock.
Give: 10:35
